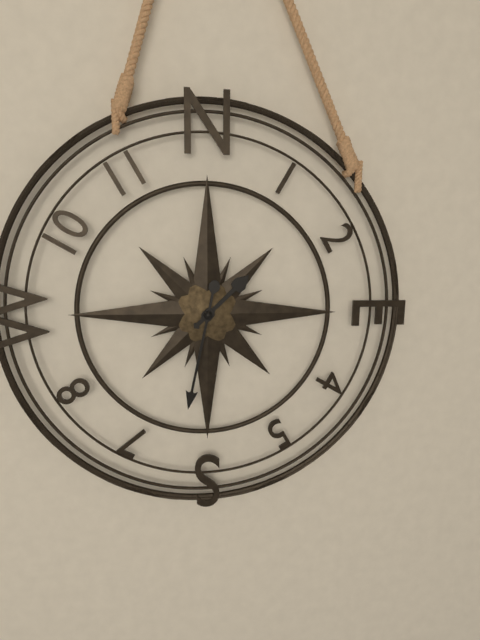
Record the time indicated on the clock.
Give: 1:32
